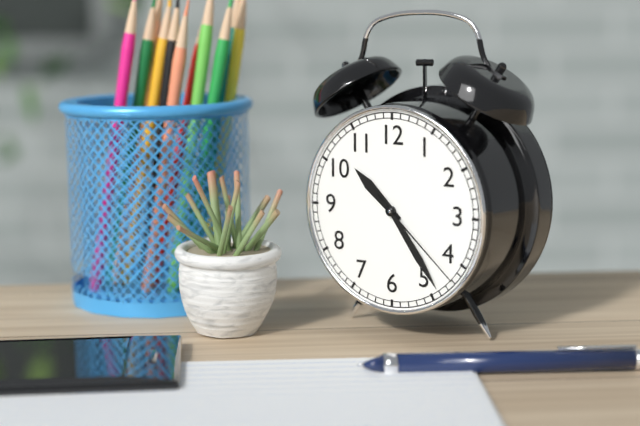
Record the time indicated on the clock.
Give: 10:24:22
